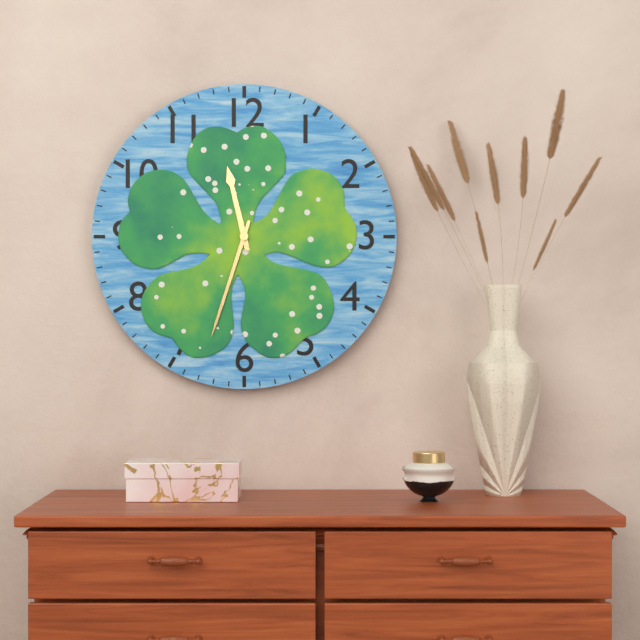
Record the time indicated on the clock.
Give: 11:33
